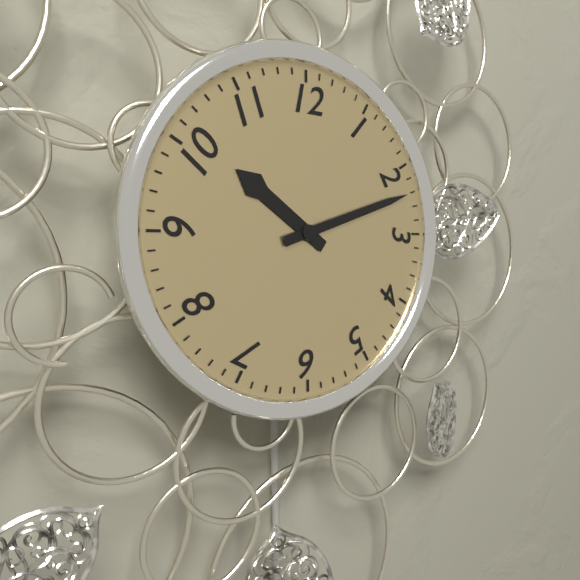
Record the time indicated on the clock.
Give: 10:12
